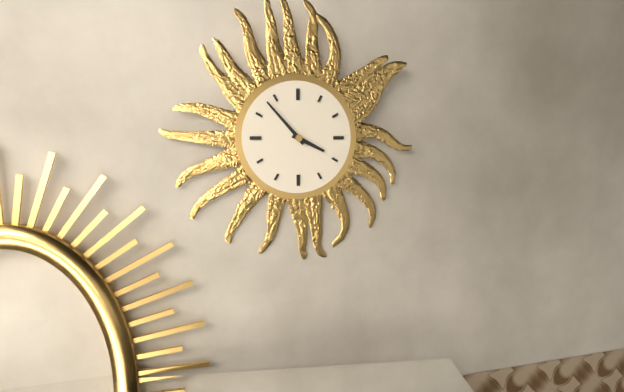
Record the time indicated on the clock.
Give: 3:53
